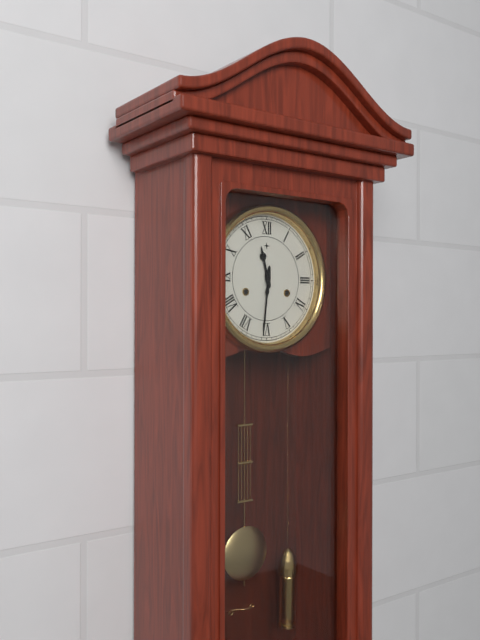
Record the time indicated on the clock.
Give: 11:31
